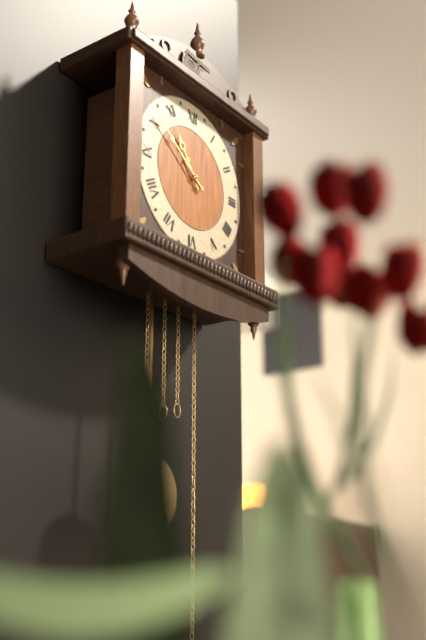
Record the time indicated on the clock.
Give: 10:51
